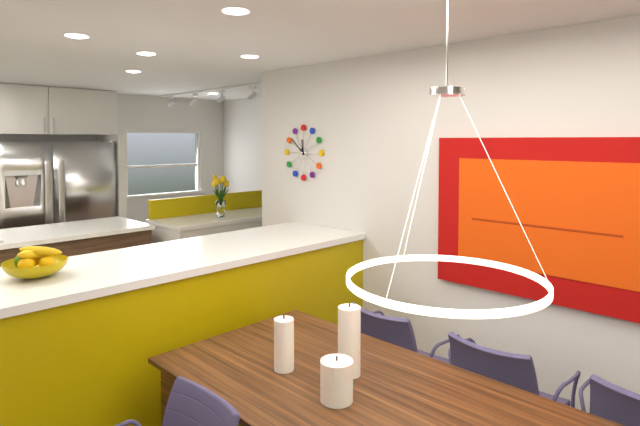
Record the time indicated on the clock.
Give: 11:52
